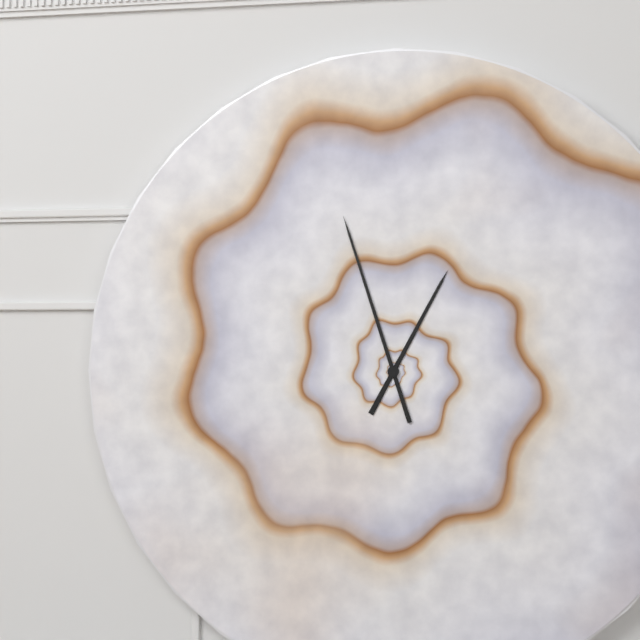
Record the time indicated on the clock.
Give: 12:57
